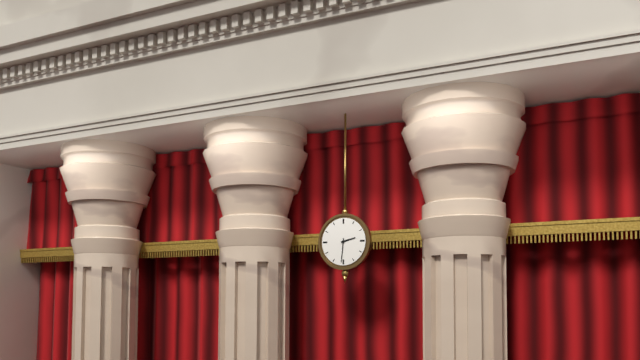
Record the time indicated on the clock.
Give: 2:31
